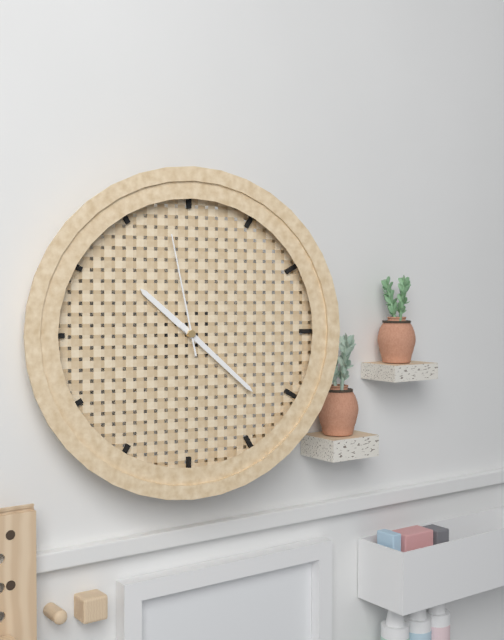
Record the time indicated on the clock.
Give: 10:22:58
